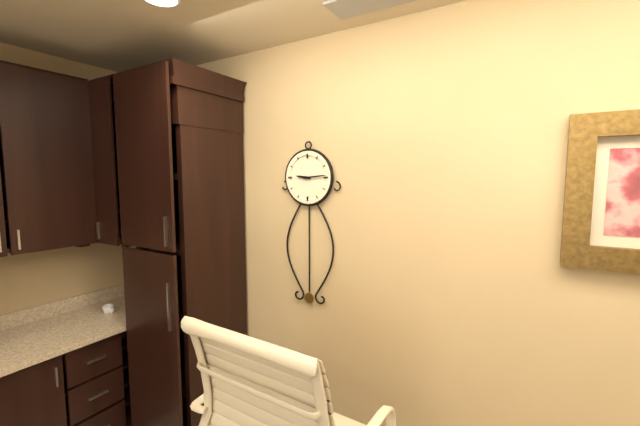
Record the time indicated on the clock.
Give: 9:14
